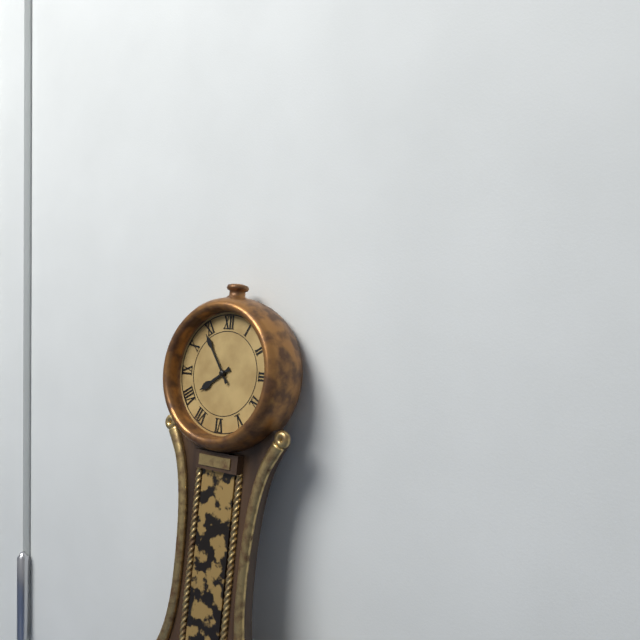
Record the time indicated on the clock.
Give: 7:54
